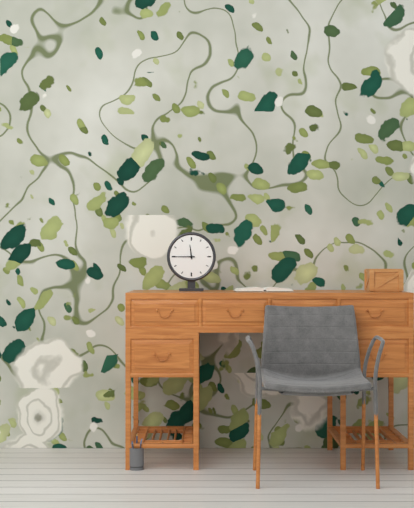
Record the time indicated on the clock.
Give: 11:45
